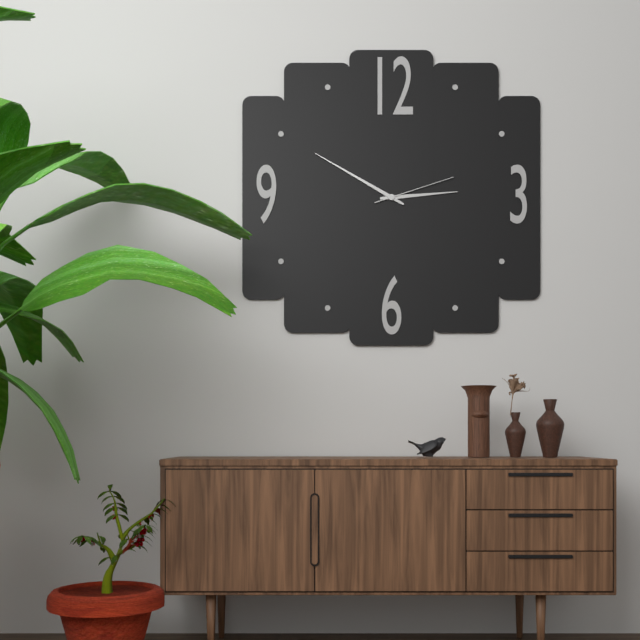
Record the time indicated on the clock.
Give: 2:50:12
